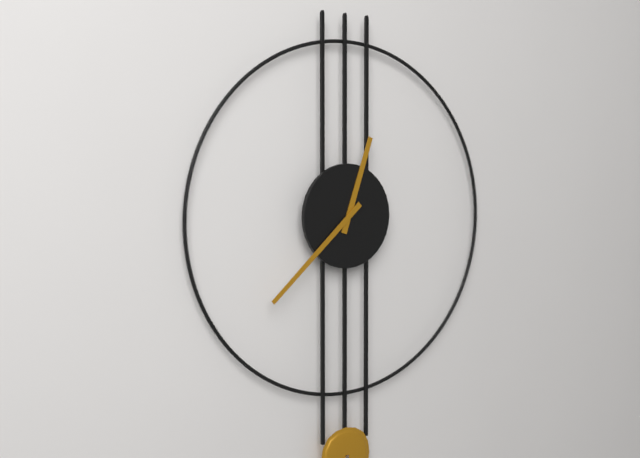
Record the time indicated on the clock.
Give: 12:38
